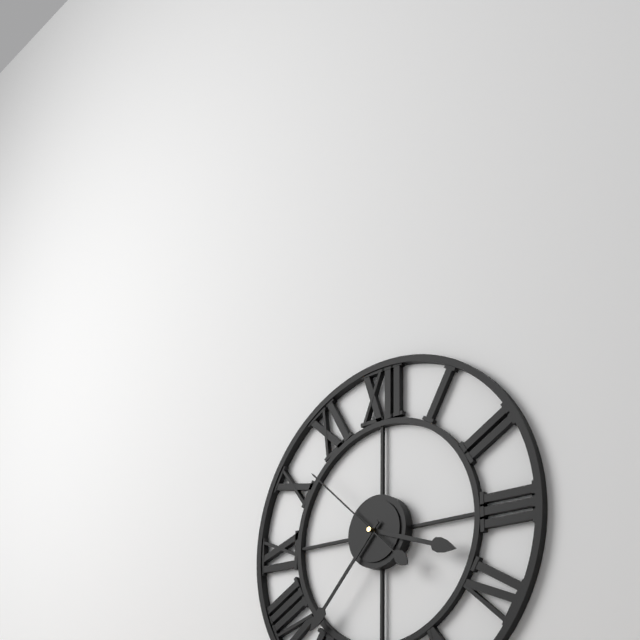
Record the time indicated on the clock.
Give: 3:37:52
